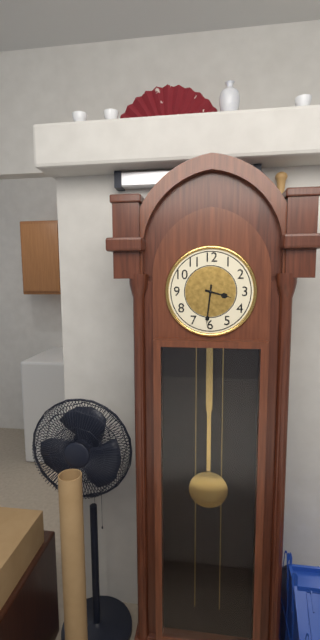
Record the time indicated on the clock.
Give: 3:31
